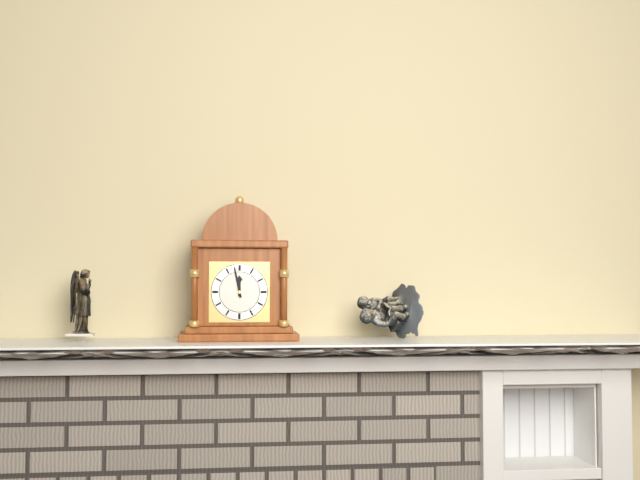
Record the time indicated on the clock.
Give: 11:58
